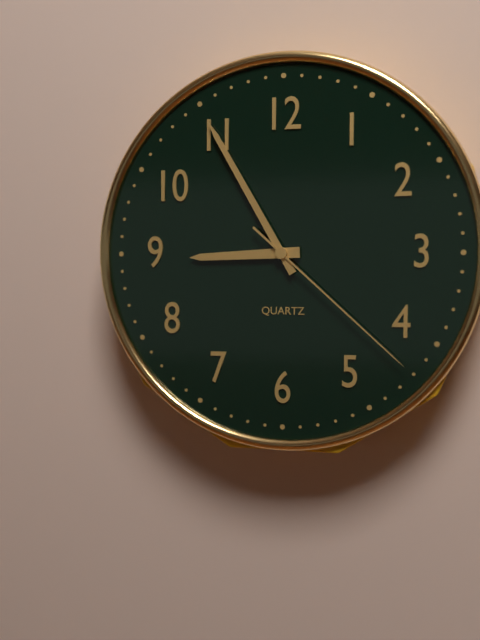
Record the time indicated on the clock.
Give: 8:55:22
